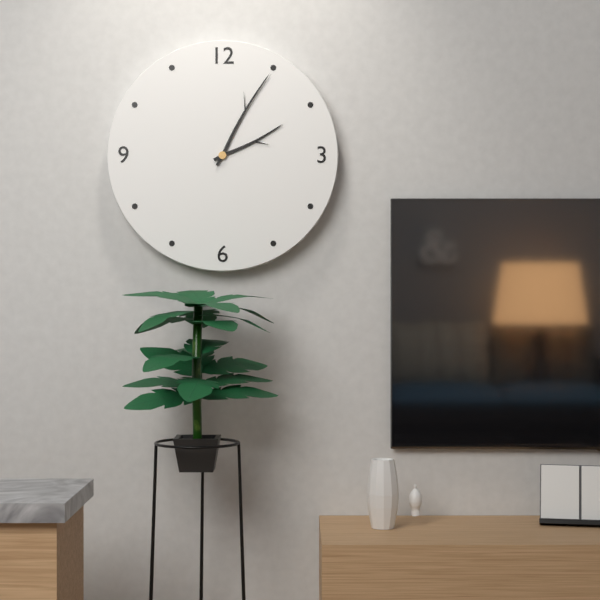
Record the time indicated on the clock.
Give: 2:05
